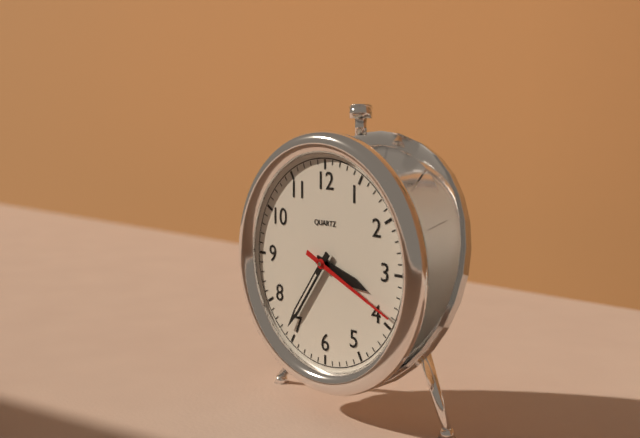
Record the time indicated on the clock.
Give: 3:36:19
